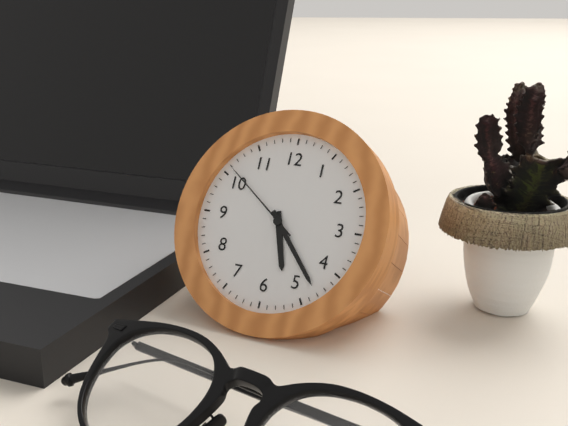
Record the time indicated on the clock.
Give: 5:23:51
